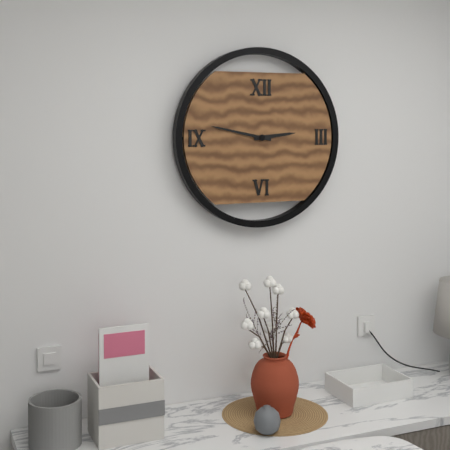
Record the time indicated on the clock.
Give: 2:47
